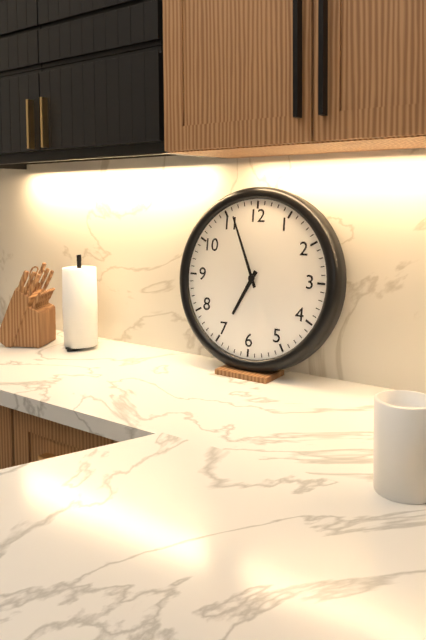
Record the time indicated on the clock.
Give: 6:56
